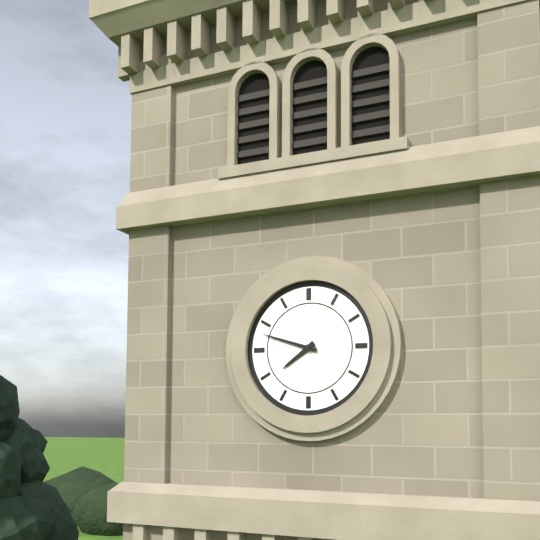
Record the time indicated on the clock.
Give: 7:48
